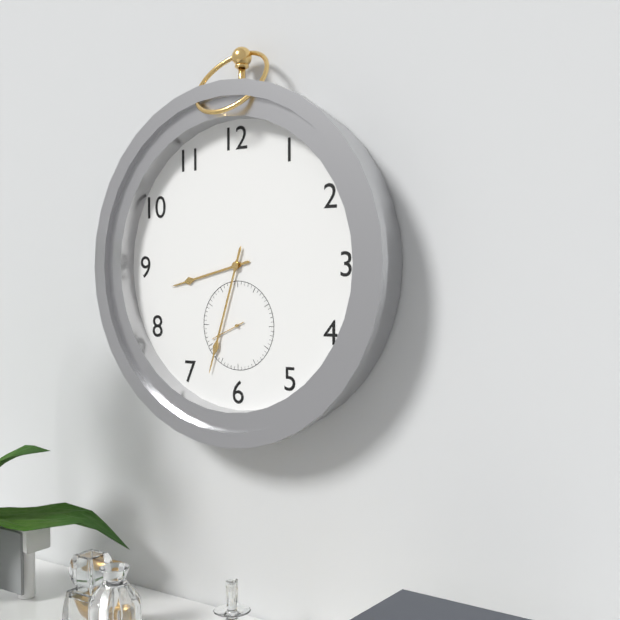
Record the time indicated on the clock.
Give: 8:33
